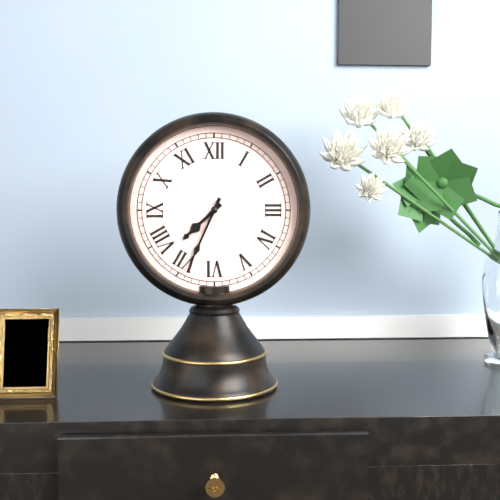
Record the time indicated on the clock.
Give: 7:34
